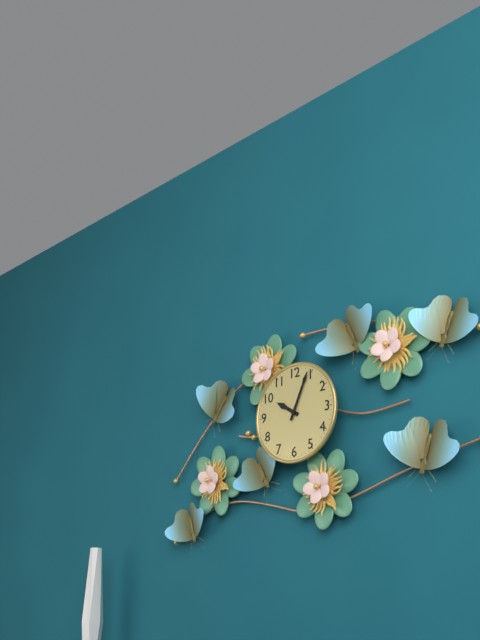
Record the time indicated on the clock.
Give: 10:04
